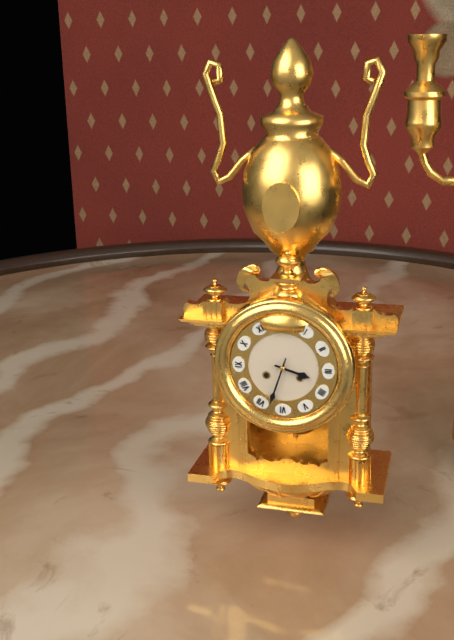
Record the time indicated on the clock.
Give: 3:33
